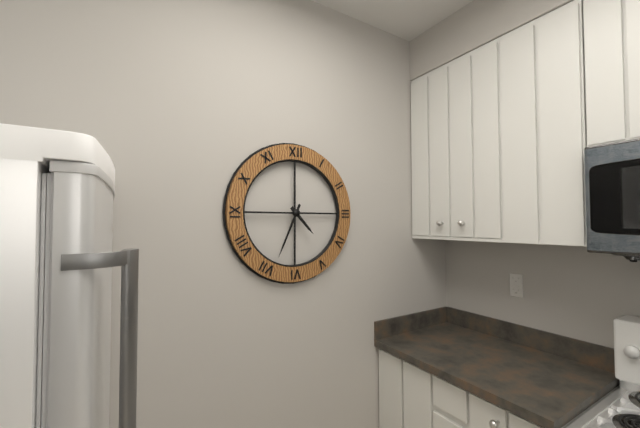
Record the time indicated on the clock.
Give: 4:34
